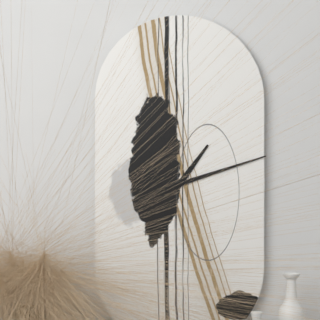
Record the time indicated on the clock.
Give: 1:12
